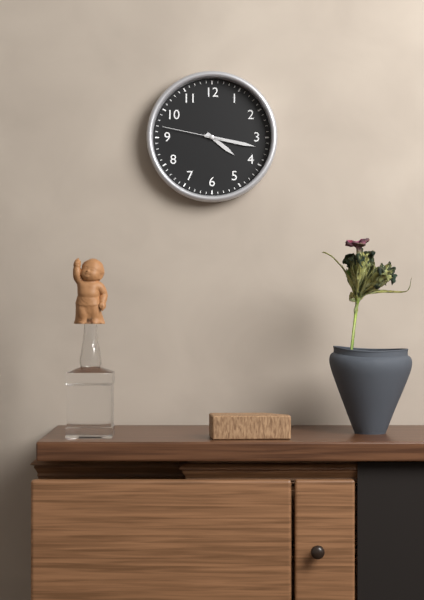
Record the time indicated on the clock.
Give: 4:17:47
